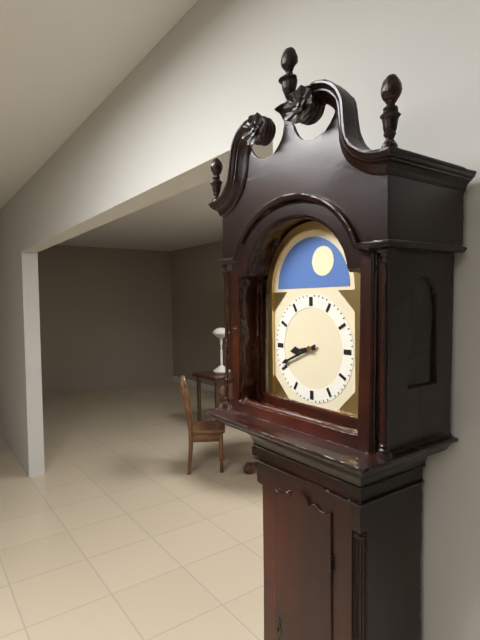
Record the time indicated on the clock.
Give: 8:41
